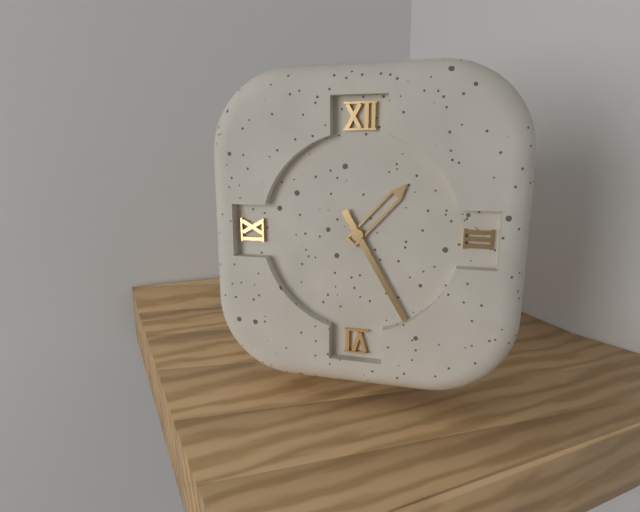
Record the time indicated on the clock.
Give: 1:25
